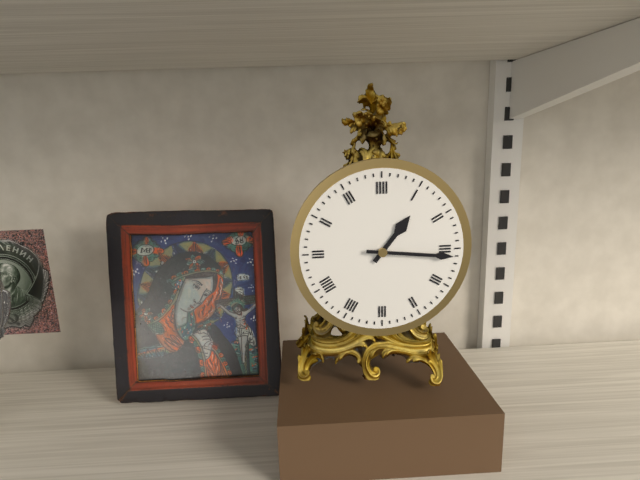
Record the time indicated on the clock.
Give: 1:16
